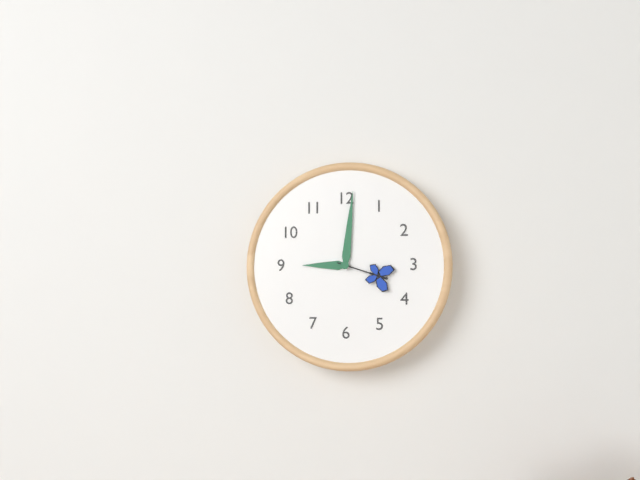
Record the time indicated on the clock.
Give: 9:01:18
